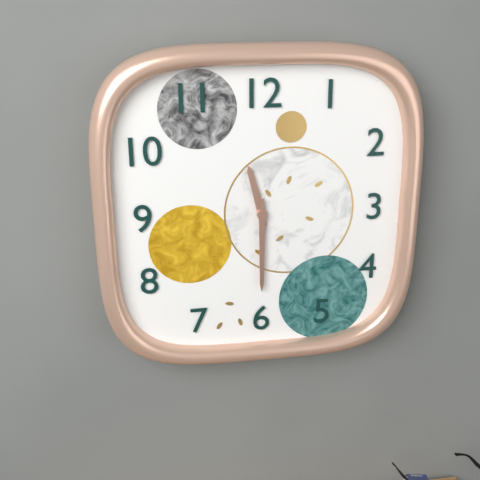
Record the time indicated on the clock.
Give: 11:30
